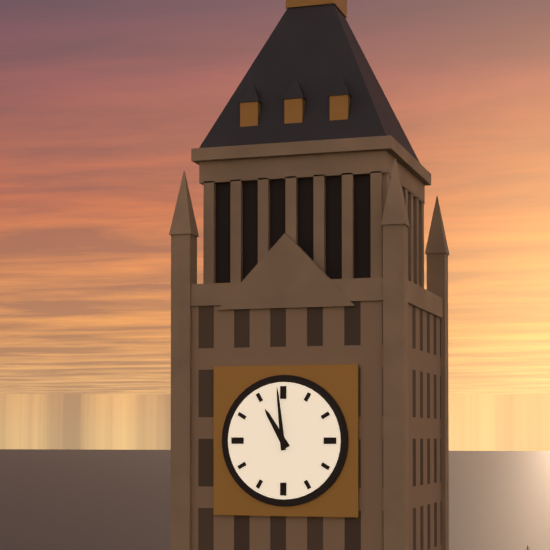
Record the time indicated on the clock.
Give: 10:59
